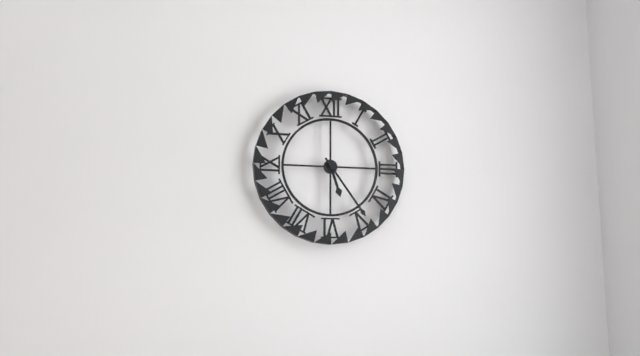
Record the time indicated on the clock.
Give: 5:24
